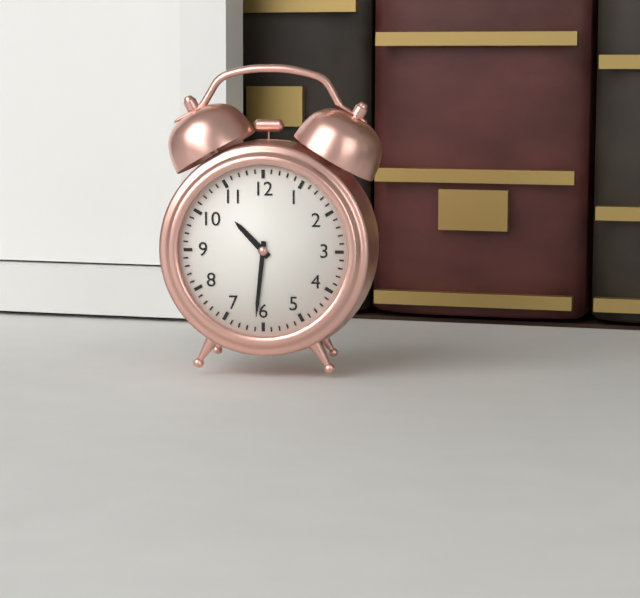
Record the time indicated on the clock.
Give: 10:31
